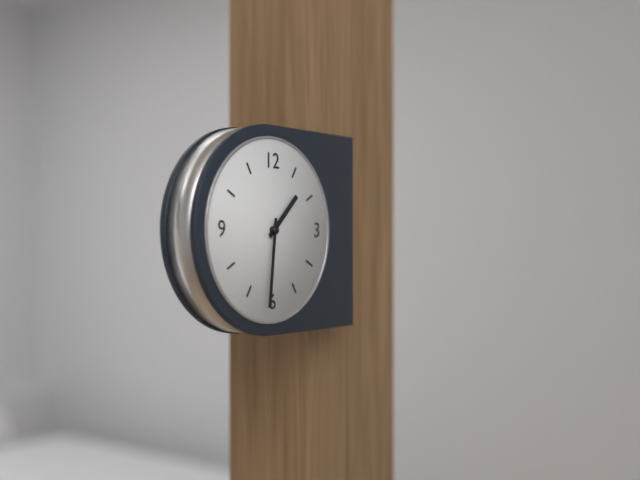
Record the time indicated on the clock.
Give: 1:31
